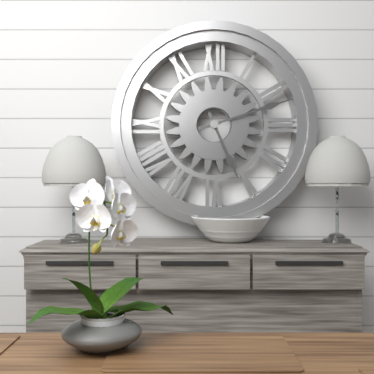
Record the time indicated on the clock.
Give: 5:12
